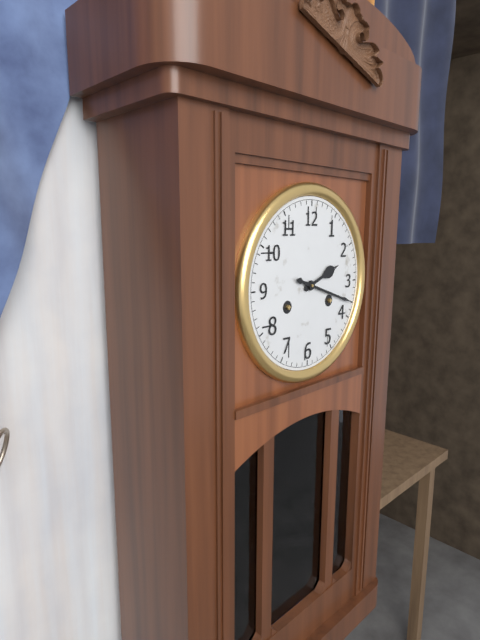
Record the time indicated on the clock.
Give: 2:18
